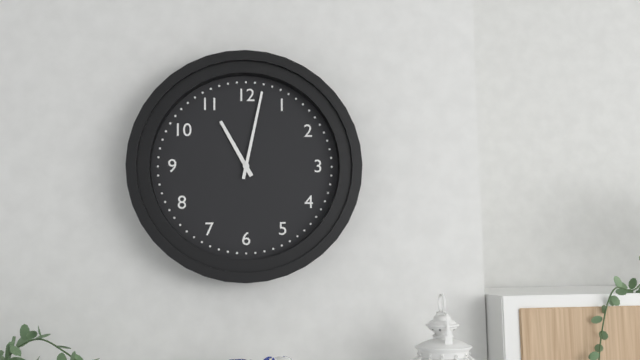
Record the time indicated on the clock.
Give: 11:02
